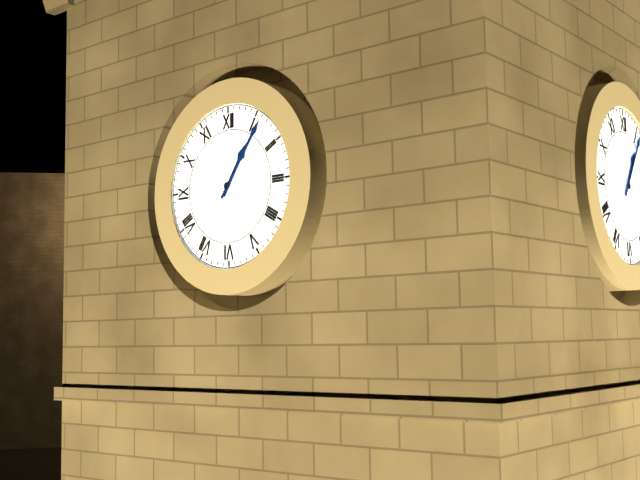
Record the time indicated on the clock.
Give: 1:06
